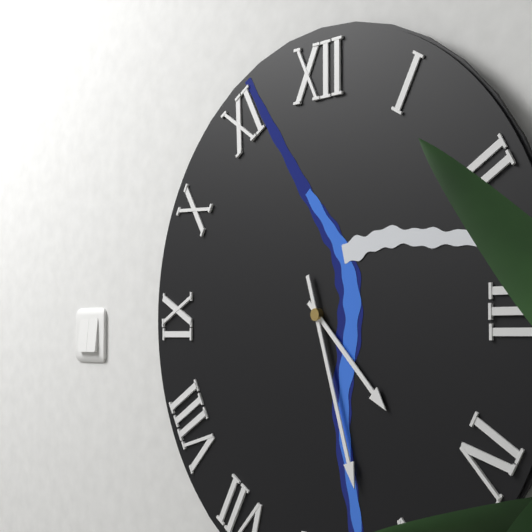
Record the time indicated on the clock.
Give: 4:27
